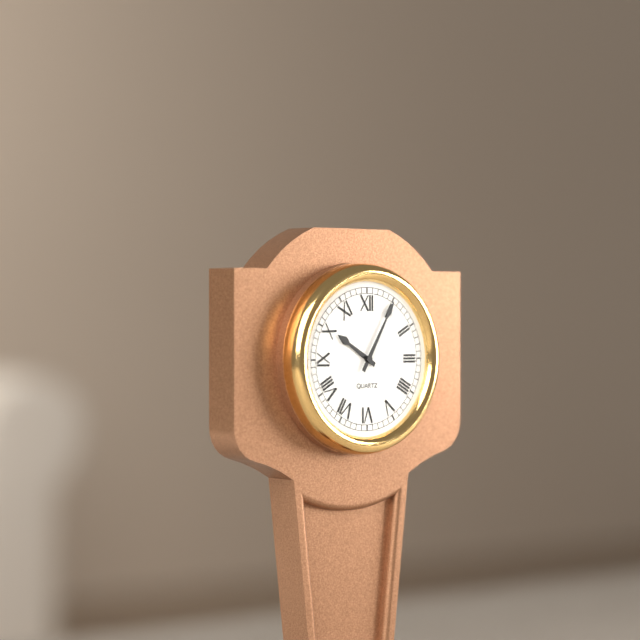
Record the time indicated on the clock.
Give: 10:05
